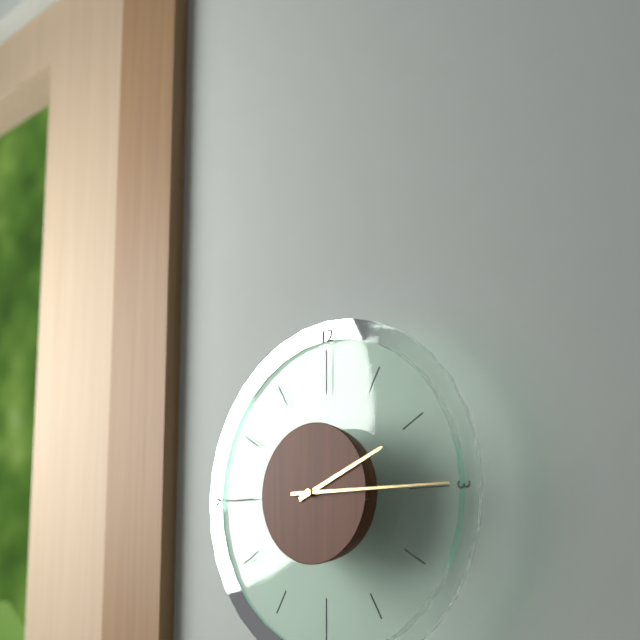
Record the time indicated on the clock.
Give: 2:15
